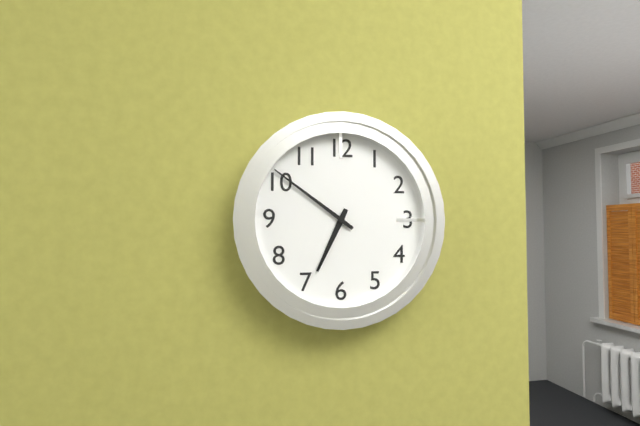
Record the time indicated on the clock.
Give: 6:51
